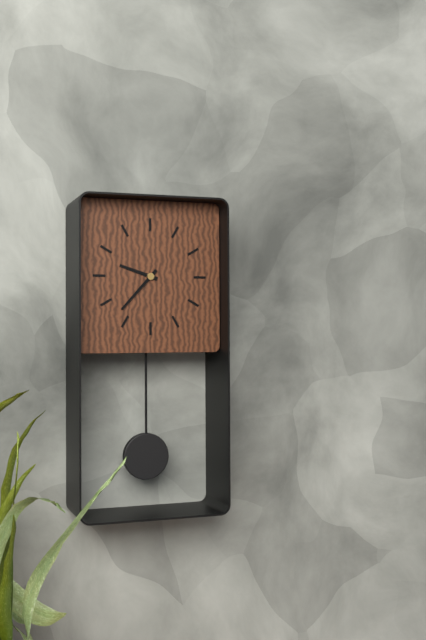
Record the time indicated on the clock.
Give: 9:37
